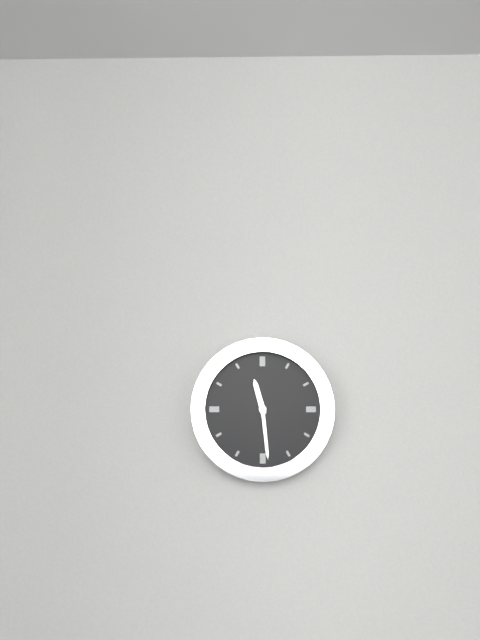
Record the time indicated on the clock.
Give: 11:29
